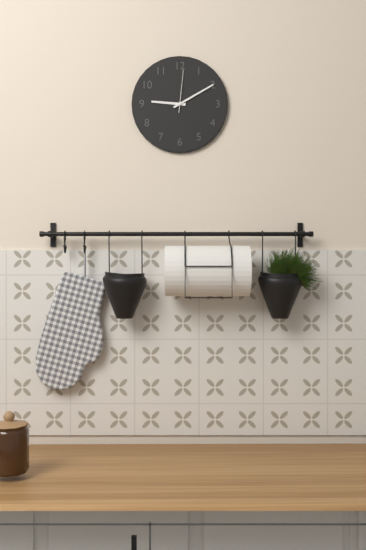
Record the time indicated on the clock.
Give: 9:10
